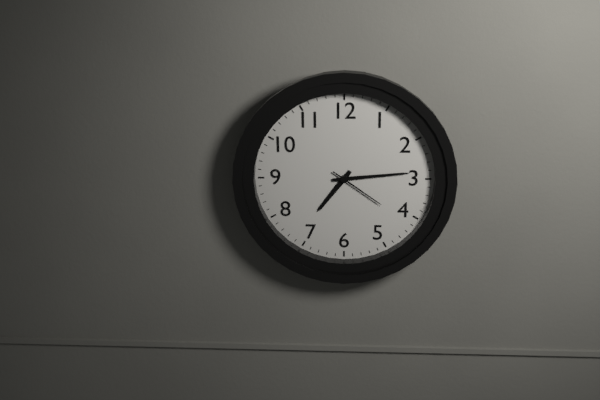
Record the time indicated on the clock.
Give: 7:14:21
